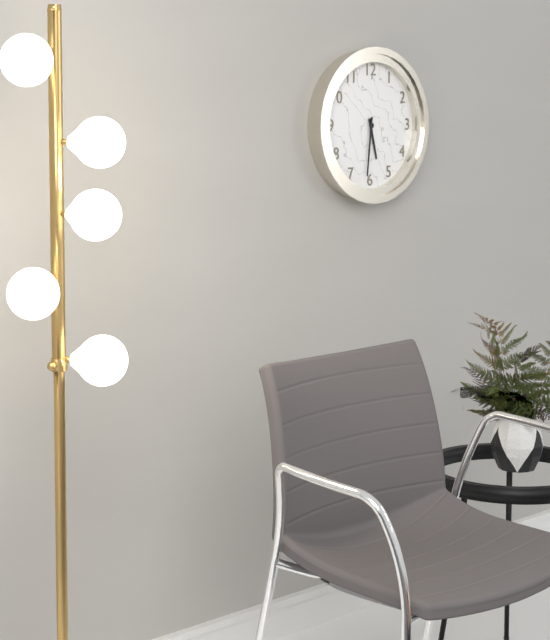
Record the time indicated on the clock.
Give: 5:31
